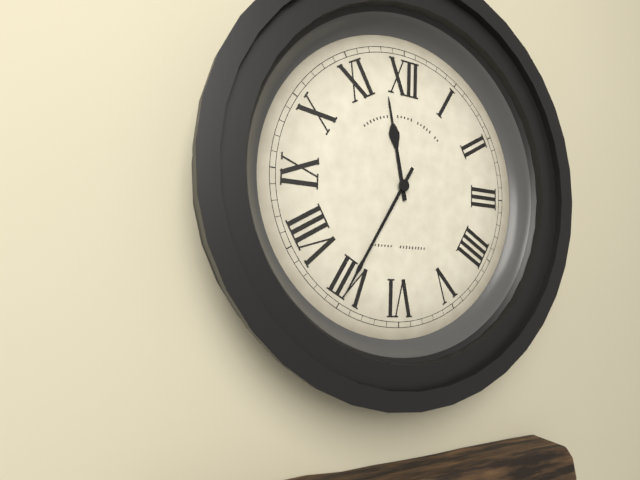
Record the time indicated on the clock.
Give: 11:35
